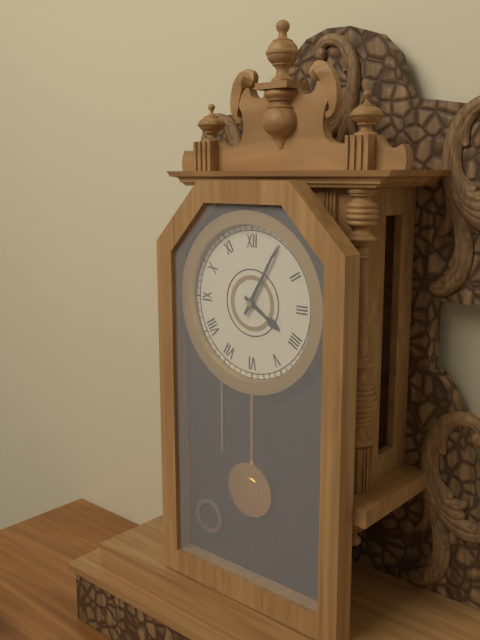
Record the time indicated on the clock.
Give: 4:05
